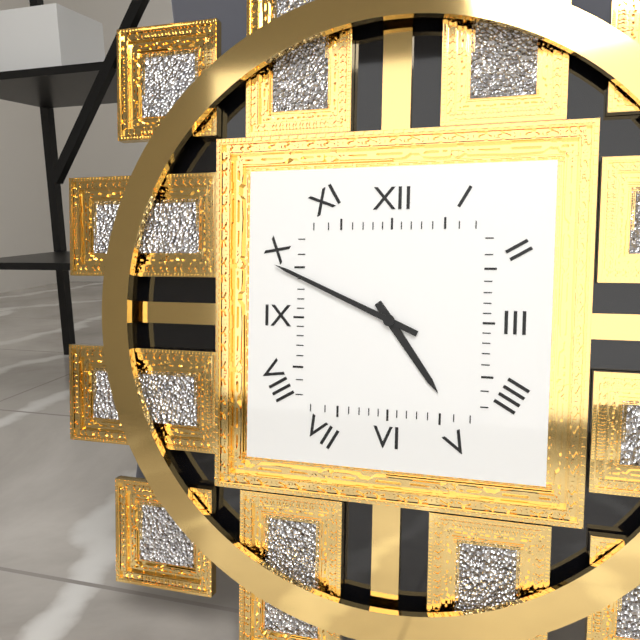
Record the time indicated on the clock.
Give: 4:49
